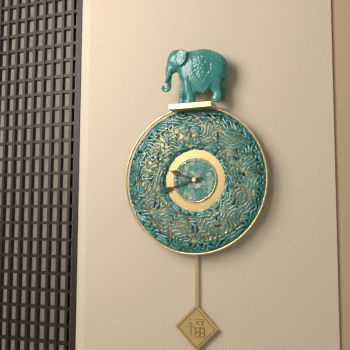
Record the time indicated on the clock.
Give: 9:42
